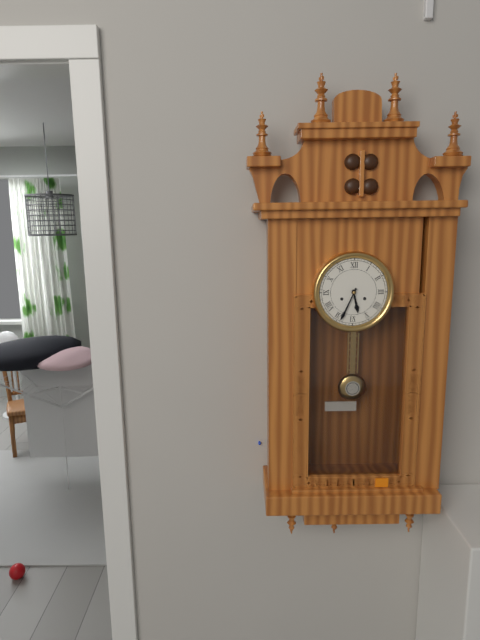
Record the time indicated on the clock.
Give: 5:34
